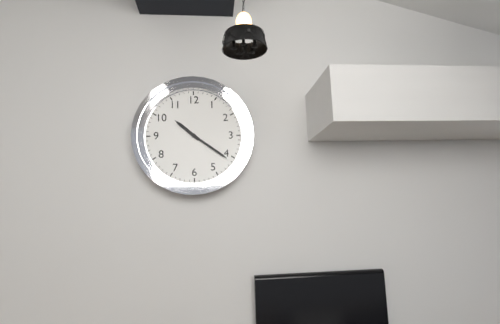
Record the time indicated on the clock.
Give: 10:21
